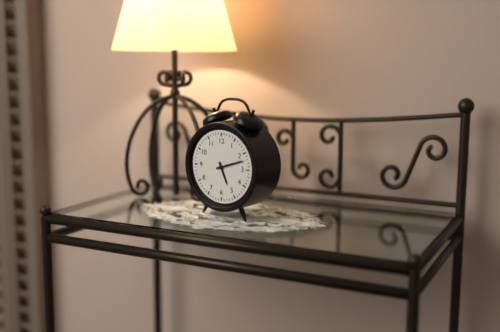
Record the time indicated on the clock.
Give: 5:12
